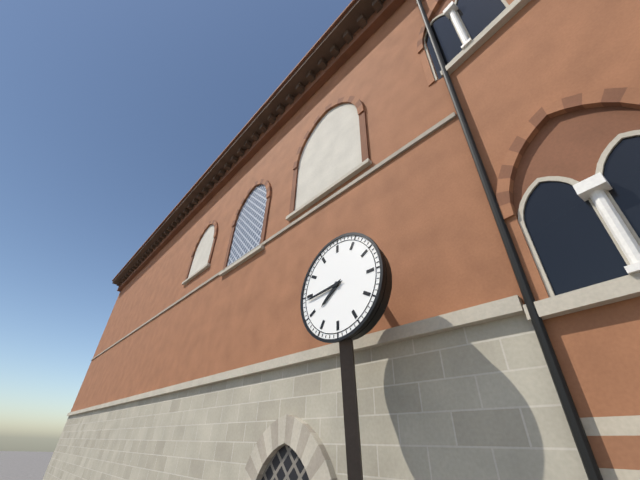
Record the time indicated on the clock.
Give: 7:44
